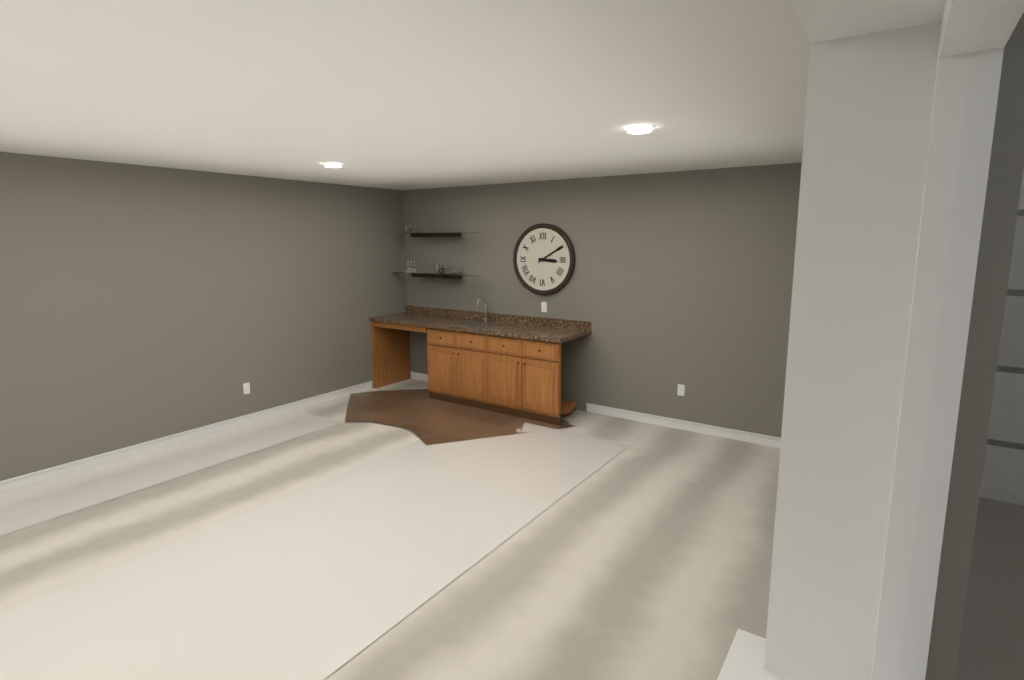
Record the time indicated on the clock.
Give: 3:10
